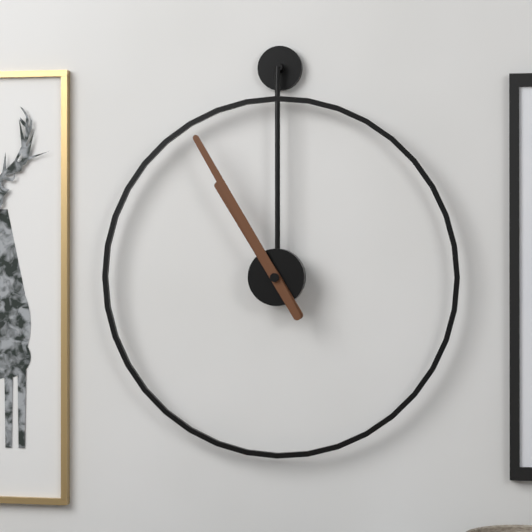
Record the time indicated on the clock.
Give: 10:55
